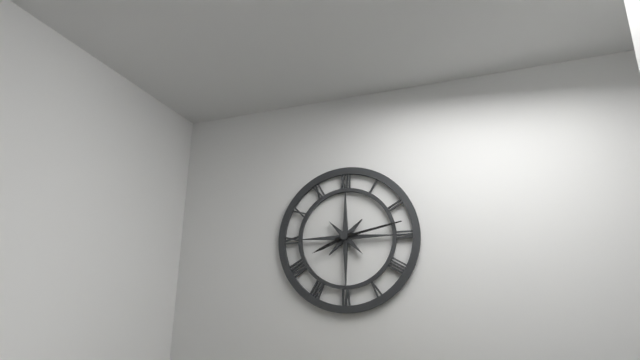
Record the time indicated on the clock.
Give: 8:13
